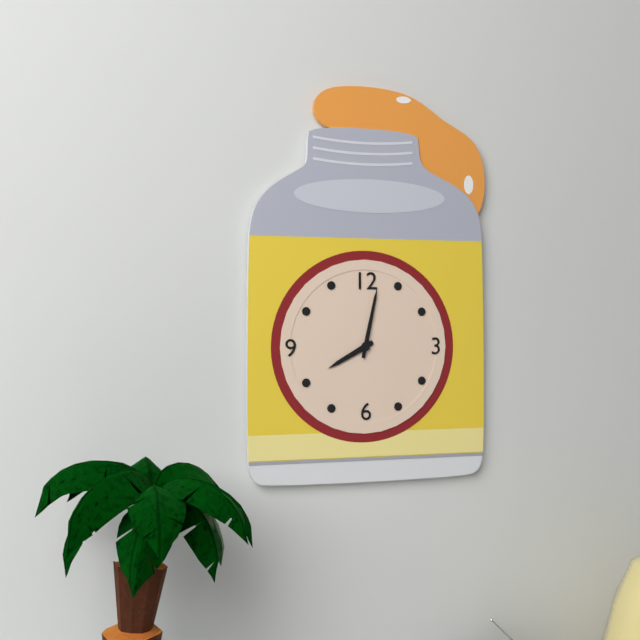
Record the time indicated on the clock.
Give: 8:02
